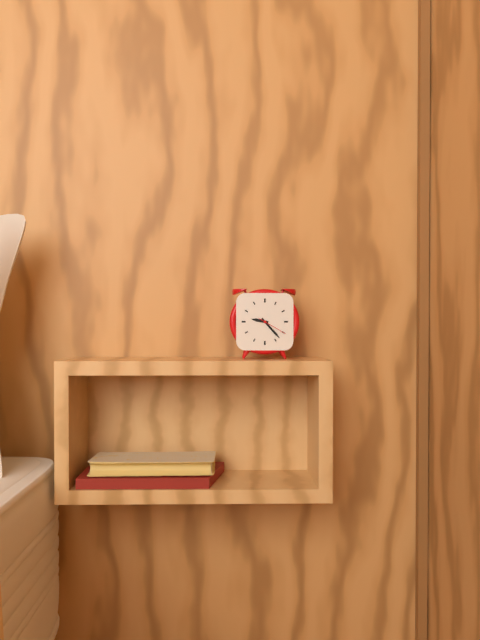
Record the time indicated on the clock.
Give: 9:23
